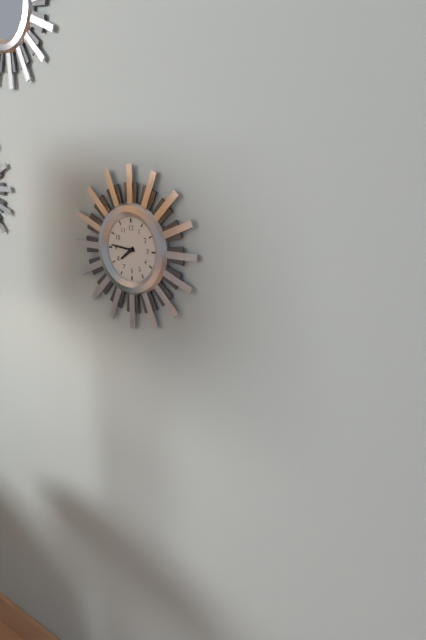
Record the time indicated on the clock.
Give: 7:46
